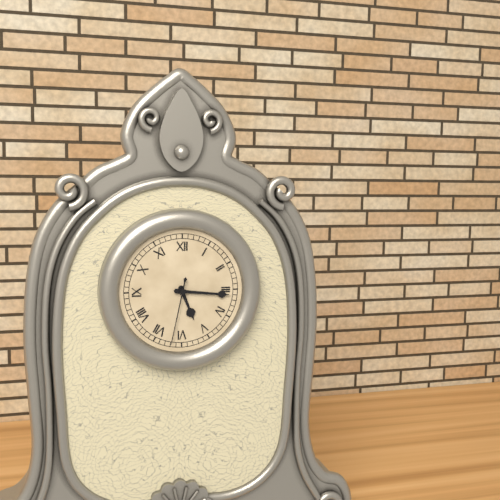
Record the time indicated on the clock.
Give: 5:16:32
